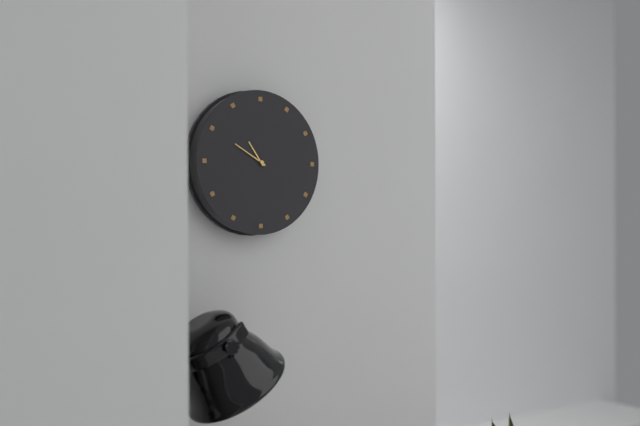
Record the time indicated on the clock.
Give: 10:50
